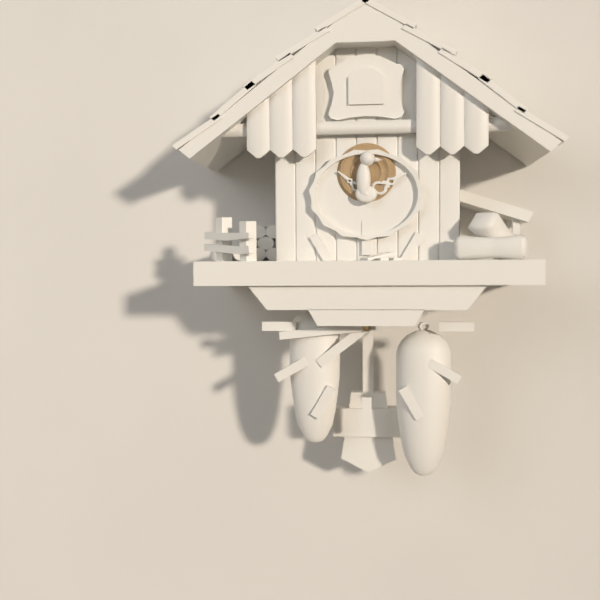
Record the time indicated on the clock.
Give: 7:44
